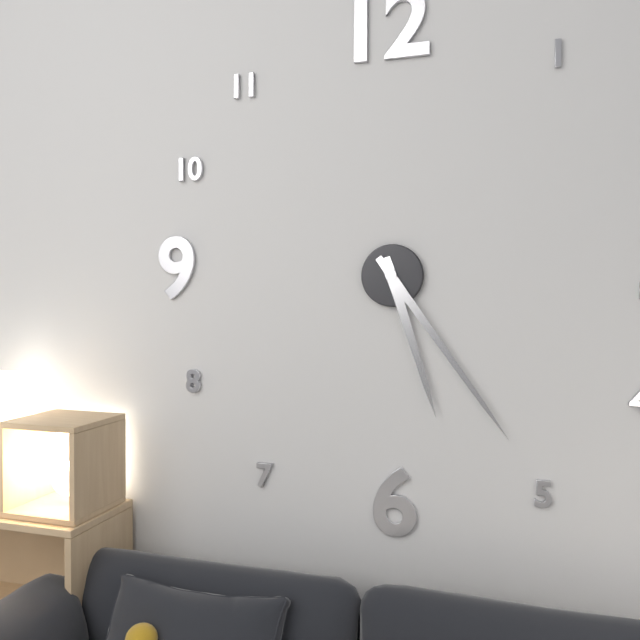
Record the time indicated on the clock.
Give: 5:24
